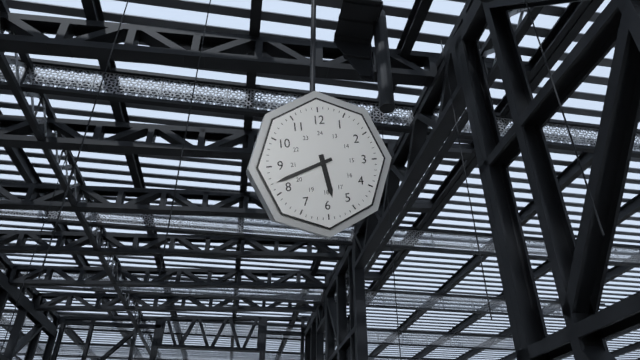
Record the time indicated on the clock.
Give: 5:42
